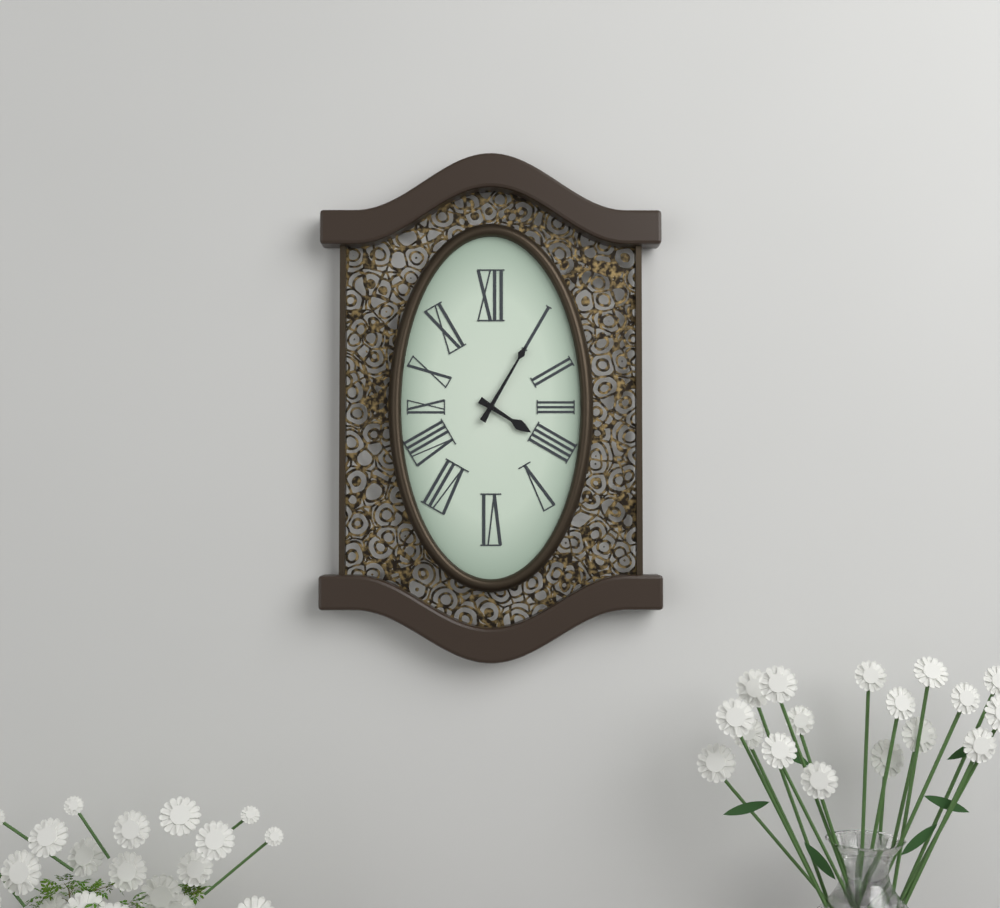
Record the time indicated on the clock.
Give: 4:05
